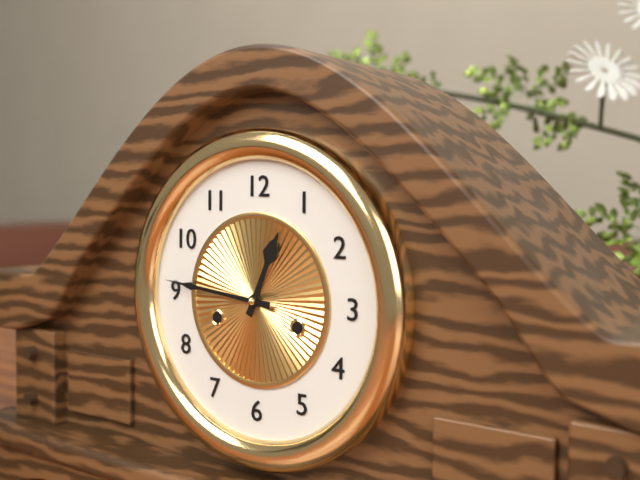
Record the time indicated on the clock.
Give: 12:46
